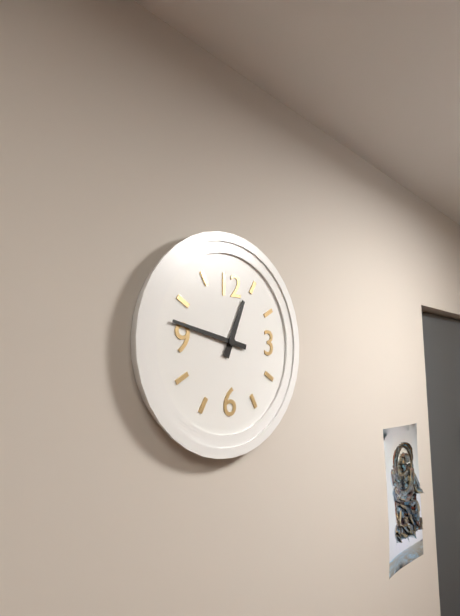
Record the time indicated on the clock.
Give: 12:47
